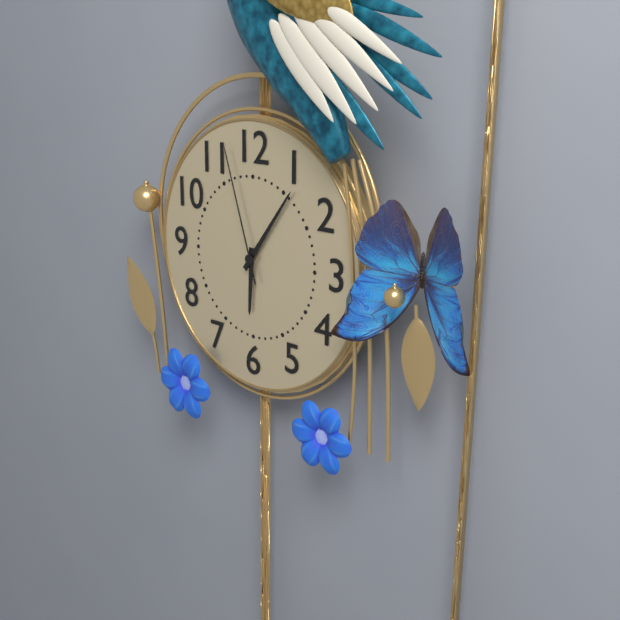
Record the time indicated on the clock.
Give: 6:06:57
